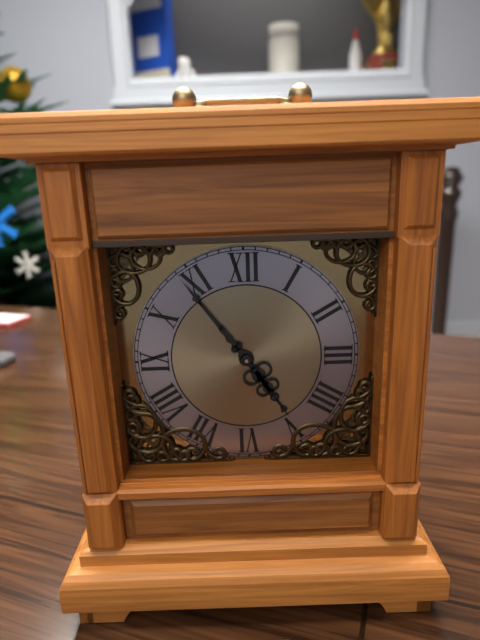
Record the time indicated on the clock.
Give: 4:54
